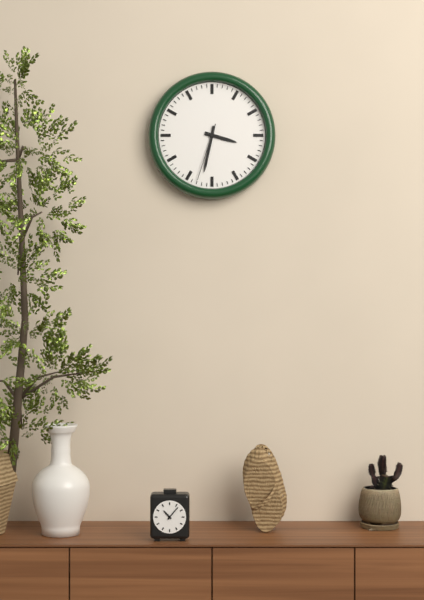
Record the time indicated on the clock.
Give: 3:32:33
